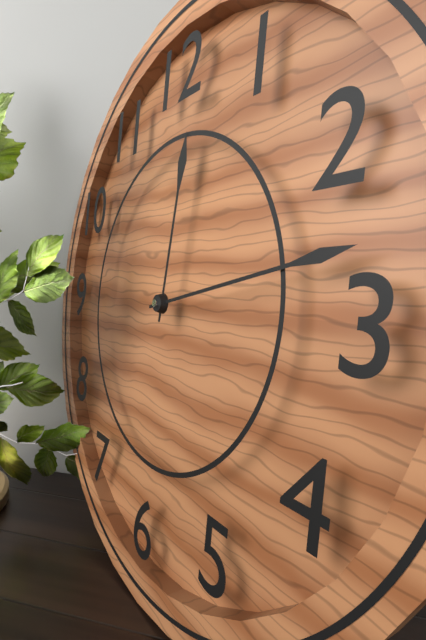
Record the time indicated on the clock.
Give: 12:13
